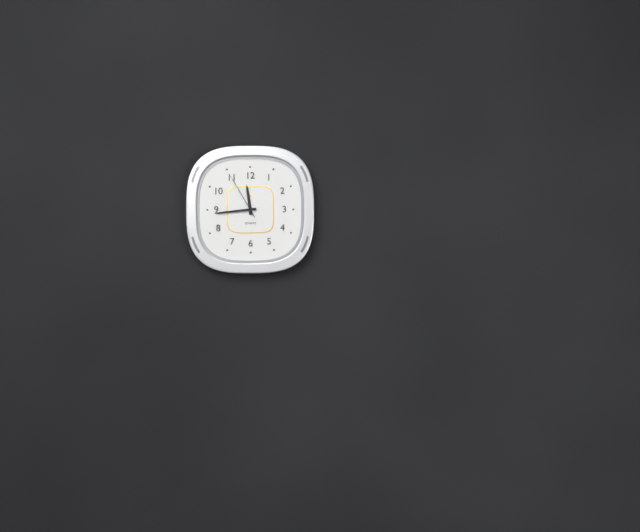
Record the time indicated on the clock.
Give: 11:44:55
